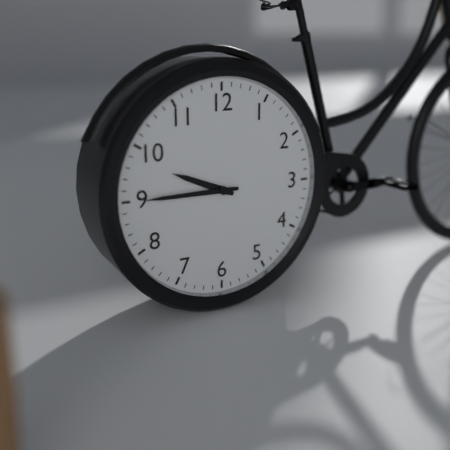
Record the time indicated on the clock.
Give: 9:45
